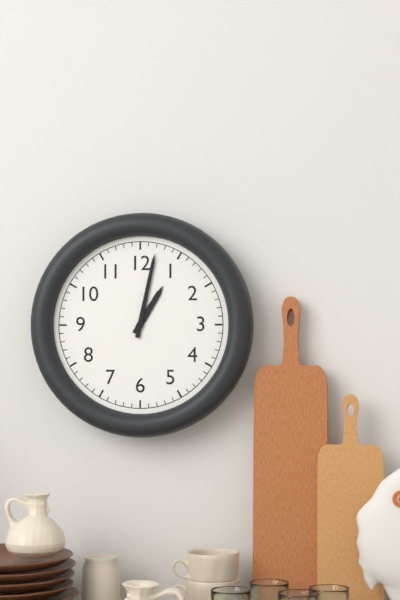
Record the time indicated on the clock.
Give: 1:02
